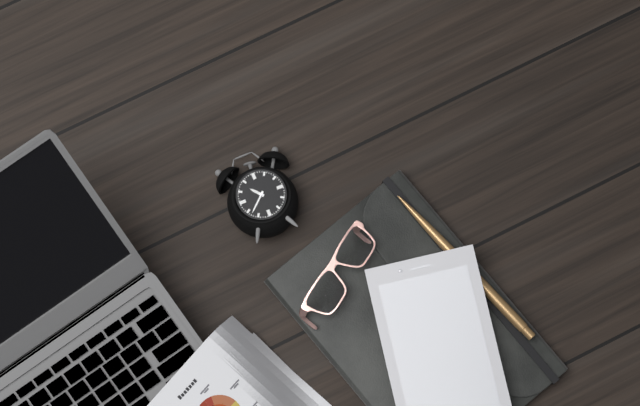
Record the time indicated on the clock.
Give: 10:38
